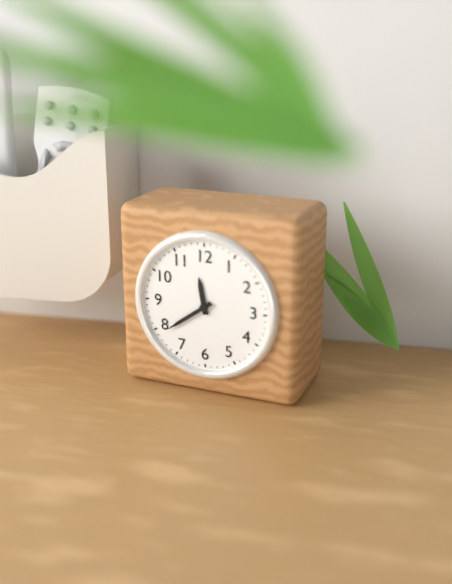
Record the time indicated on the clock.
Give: 11:39
